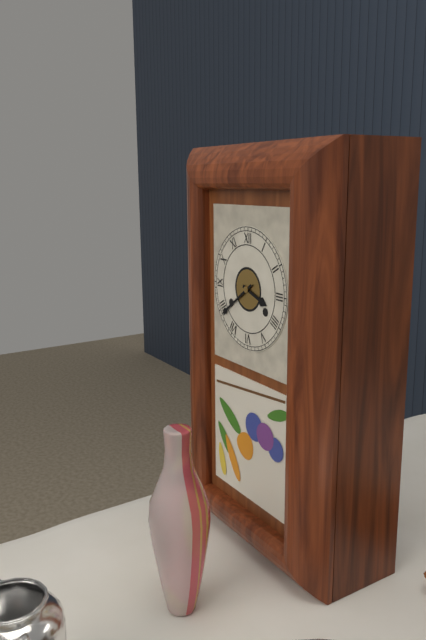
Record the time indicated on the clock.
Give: 3:39
